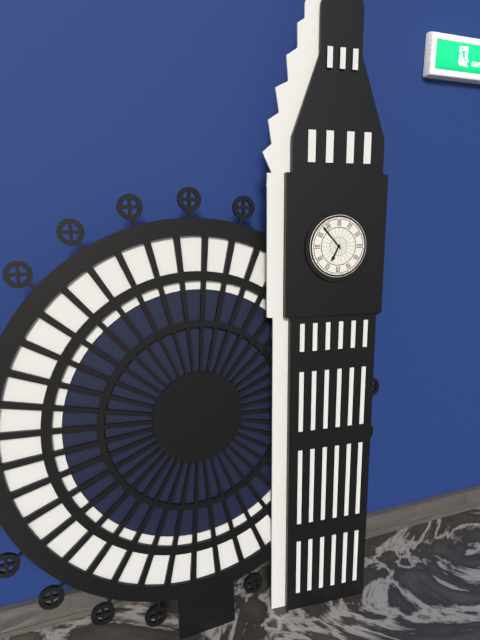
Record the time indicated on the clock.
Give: 6:53
